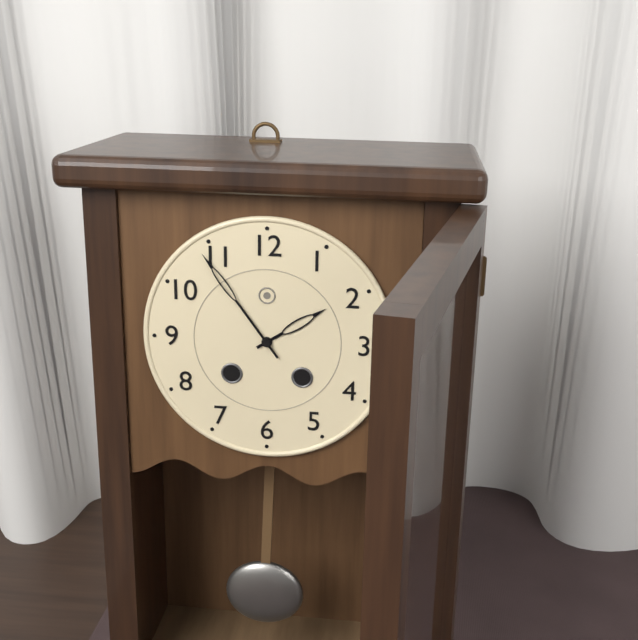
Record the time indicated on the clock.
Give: 1:54
